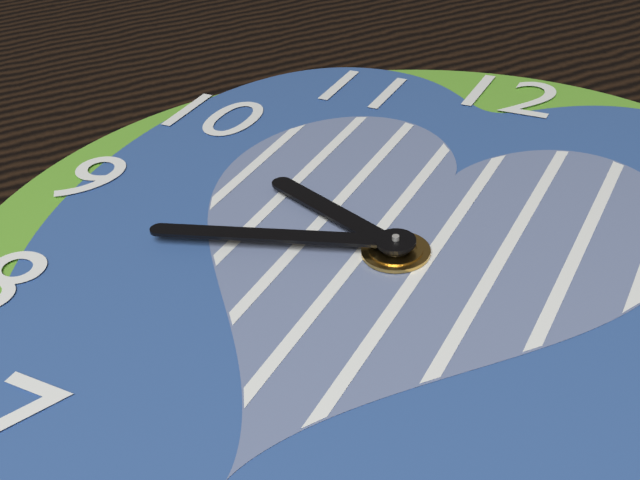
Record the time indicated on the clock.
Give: 9:42
